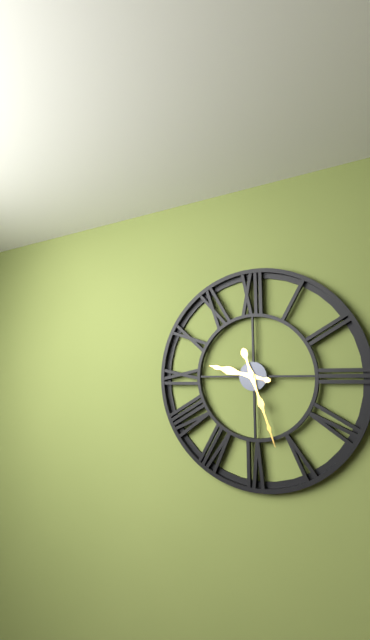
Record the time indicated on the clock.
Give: 9:27
